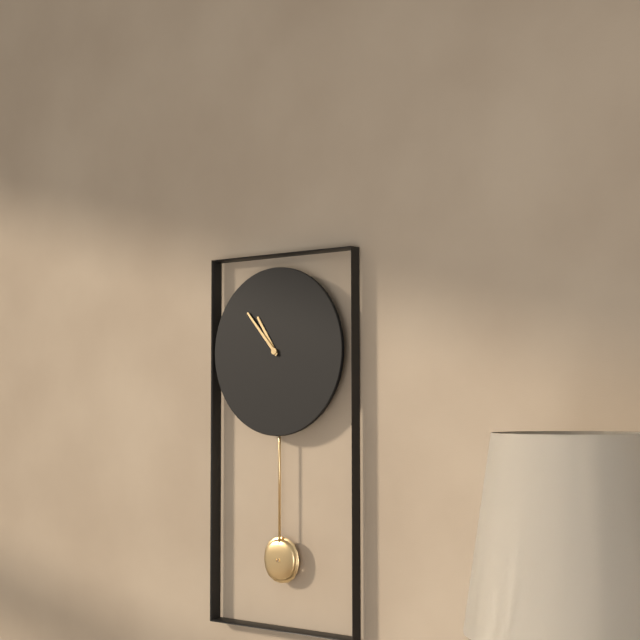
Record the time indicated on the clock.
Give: 10:53
